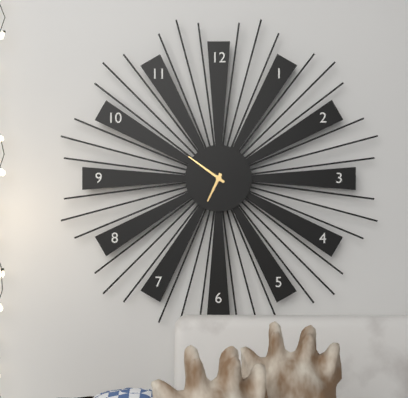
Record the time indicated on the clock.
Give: 6:51
